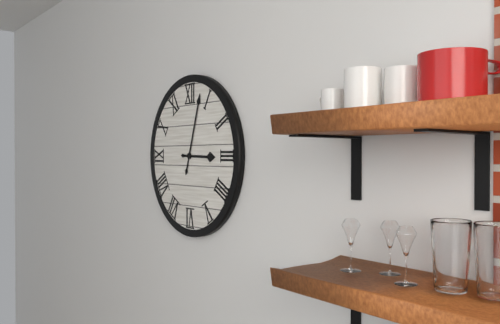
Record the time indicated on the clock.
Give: 3:03
